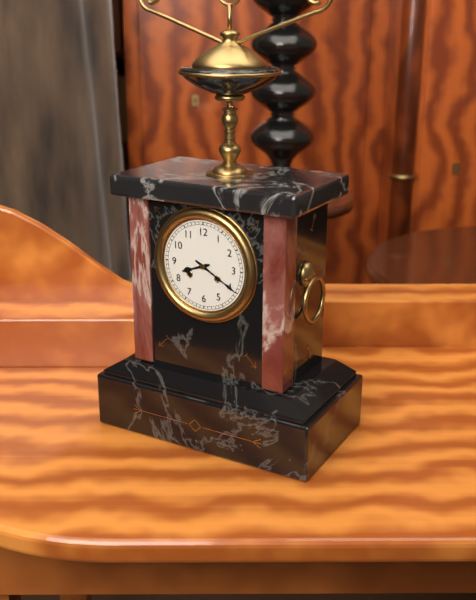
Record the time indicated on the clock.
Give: 8:20
